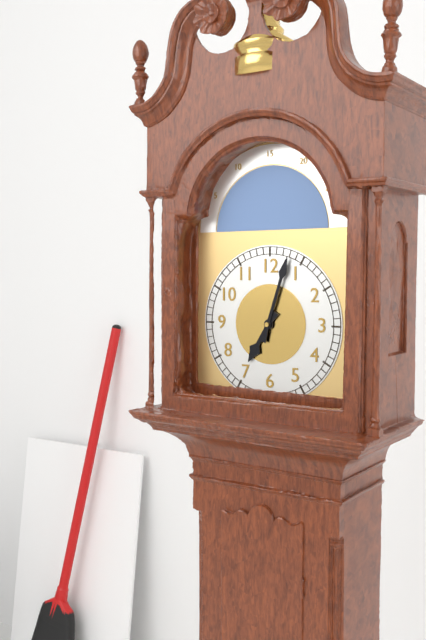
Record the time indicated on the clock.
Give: 7:03
